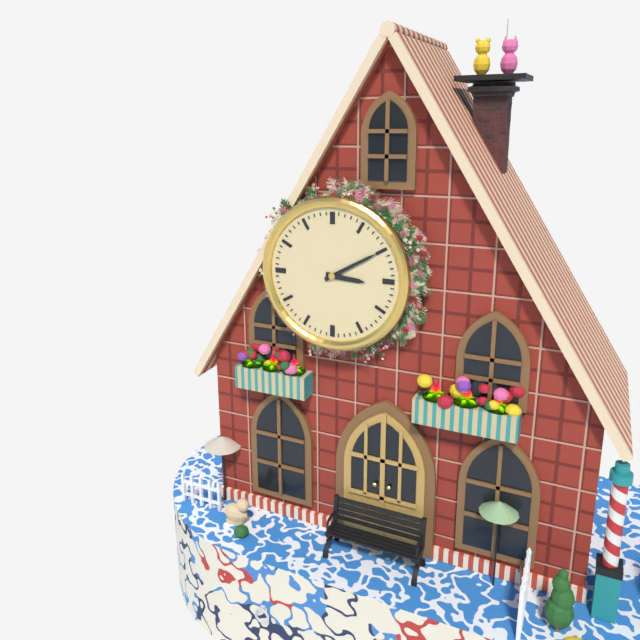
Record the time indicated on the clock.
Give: 3:10
